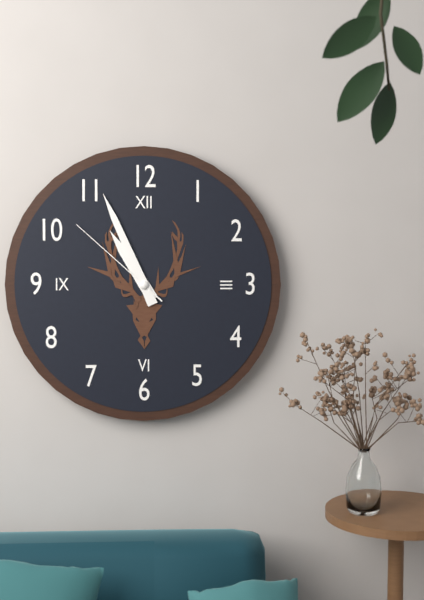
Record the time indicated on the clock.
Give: 10:56:52
